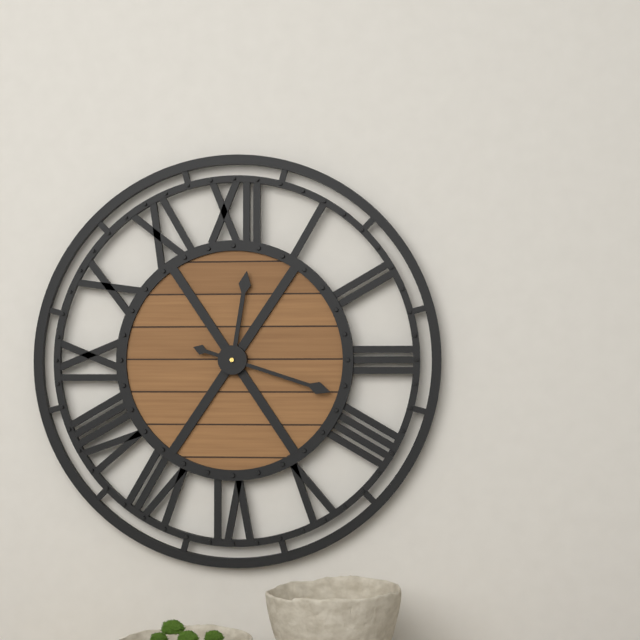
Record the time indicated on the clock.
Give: 12:18
